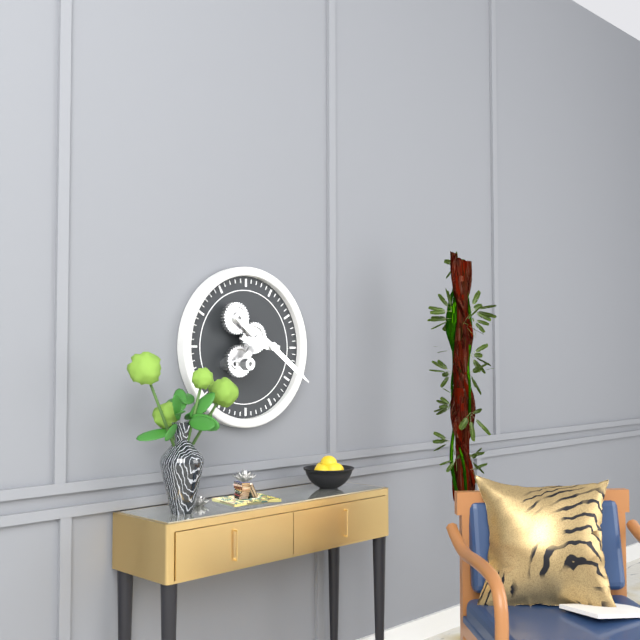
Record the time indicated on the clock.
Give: 9:21
